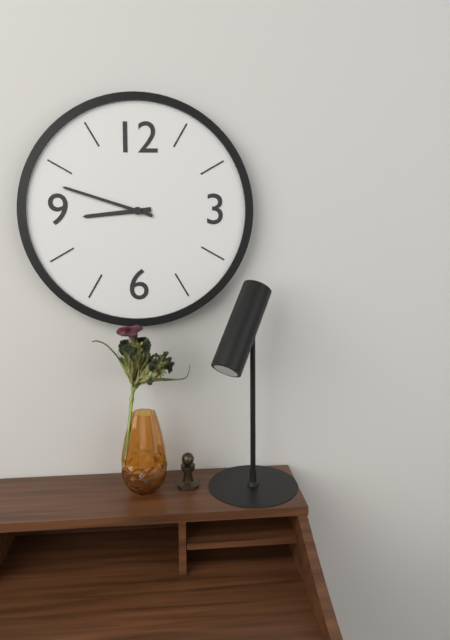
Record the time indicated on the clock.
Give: 8:48
